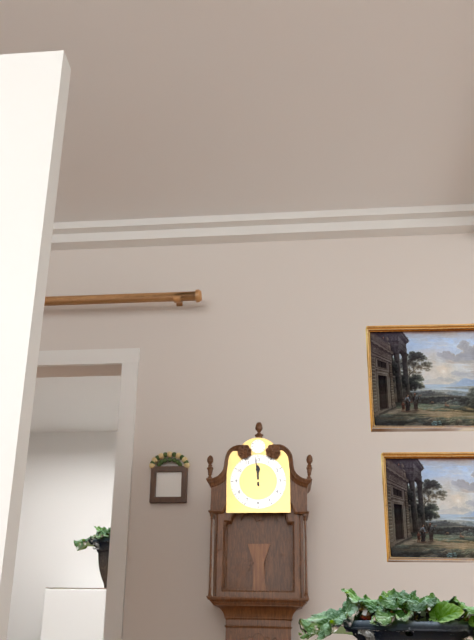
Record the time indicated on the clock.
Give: 11:59
